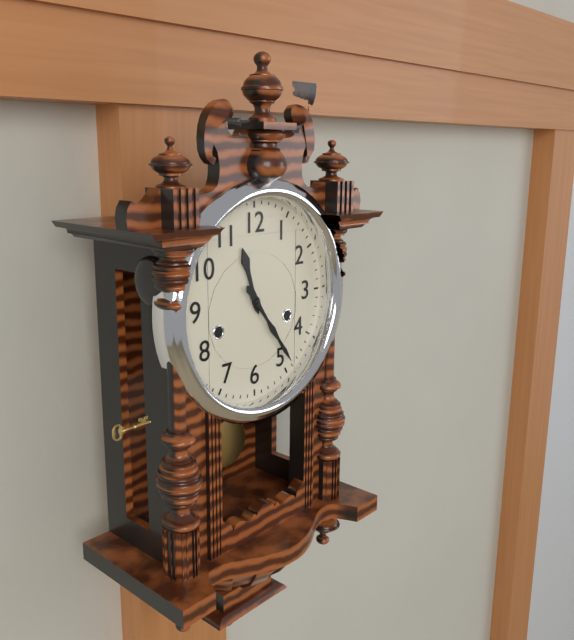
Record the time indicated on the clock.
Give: 11:24
